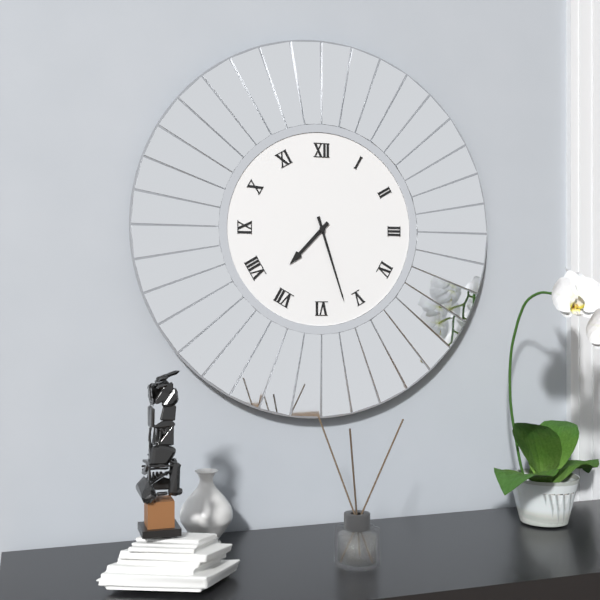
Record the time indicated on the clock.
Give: 7:27
